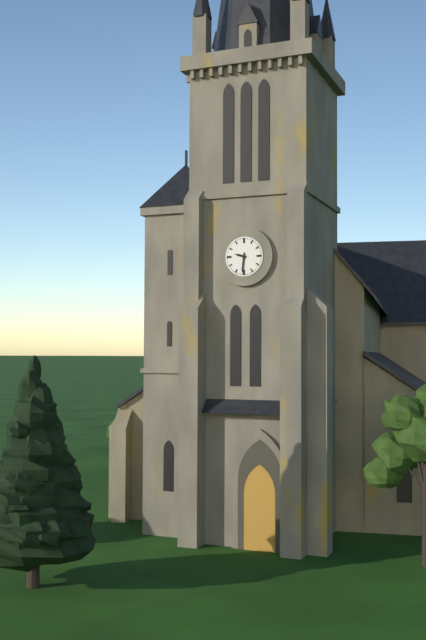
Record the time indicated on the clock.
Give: 9:31
